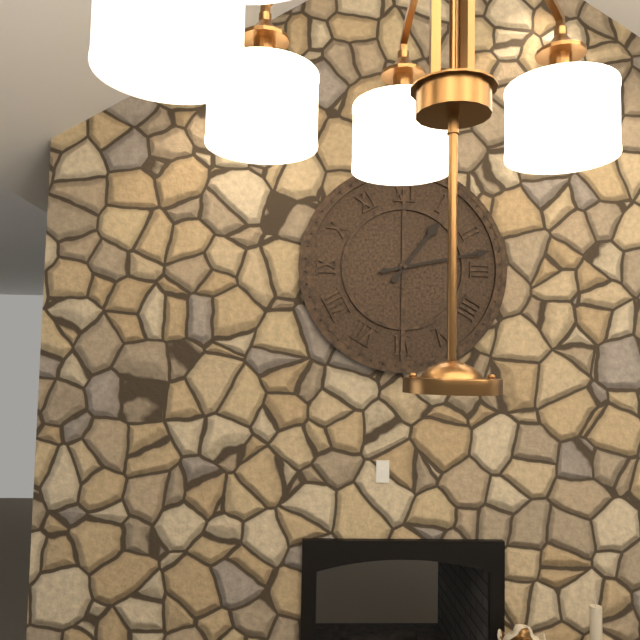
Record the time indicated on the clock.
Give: 1:13
